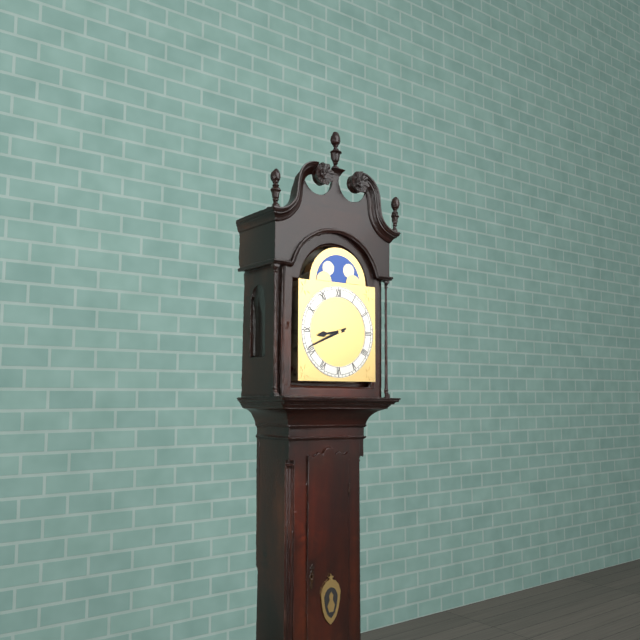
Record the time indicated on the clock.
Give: 8:41
